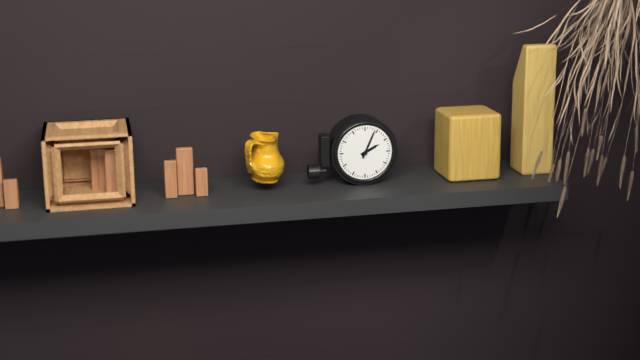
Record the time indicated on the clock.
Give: 2:04
